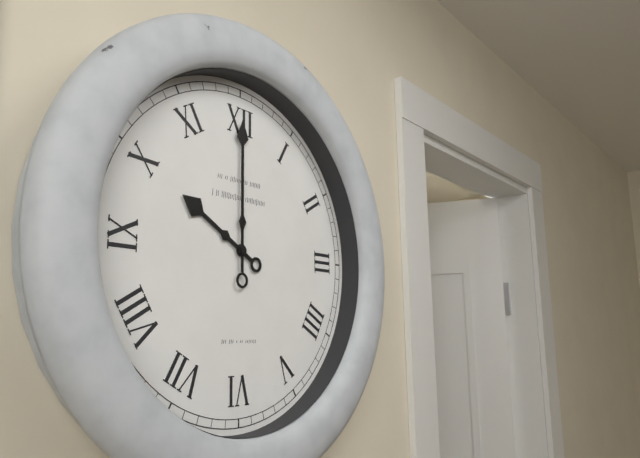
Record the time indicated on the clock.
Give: 10:00
